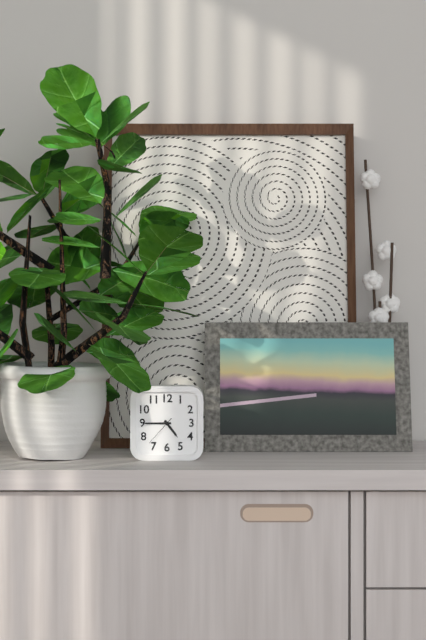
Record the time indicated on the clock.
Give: 4:45
